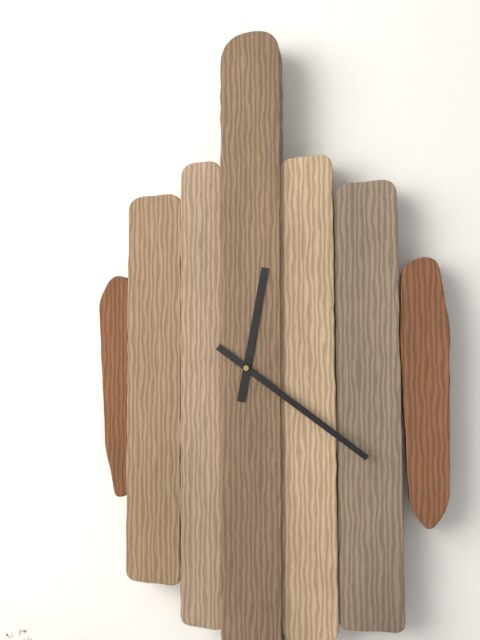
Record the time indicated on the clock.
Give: 12:21
